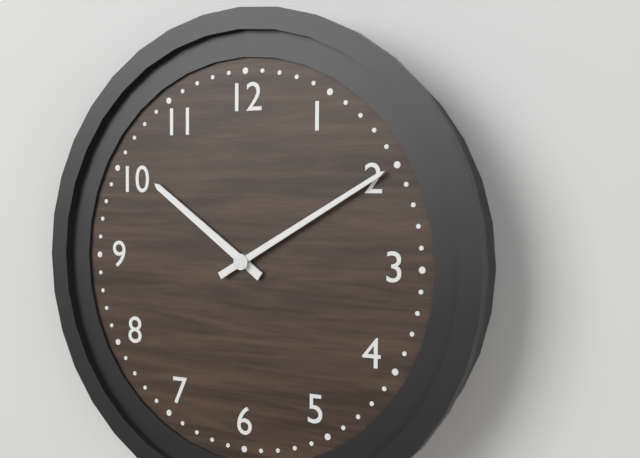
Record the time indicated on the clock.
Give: 10:10
